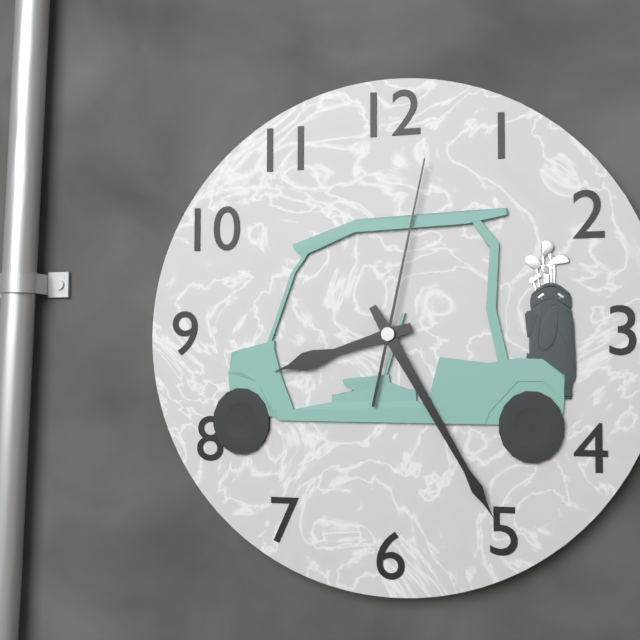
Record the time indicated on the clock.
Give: 8:25:02
